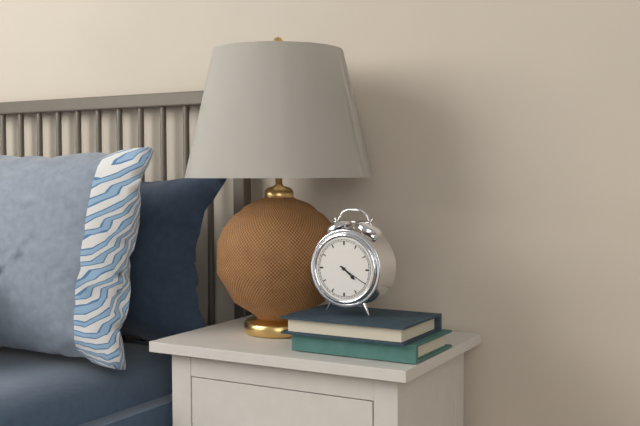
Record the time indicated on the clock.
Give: 4:20
